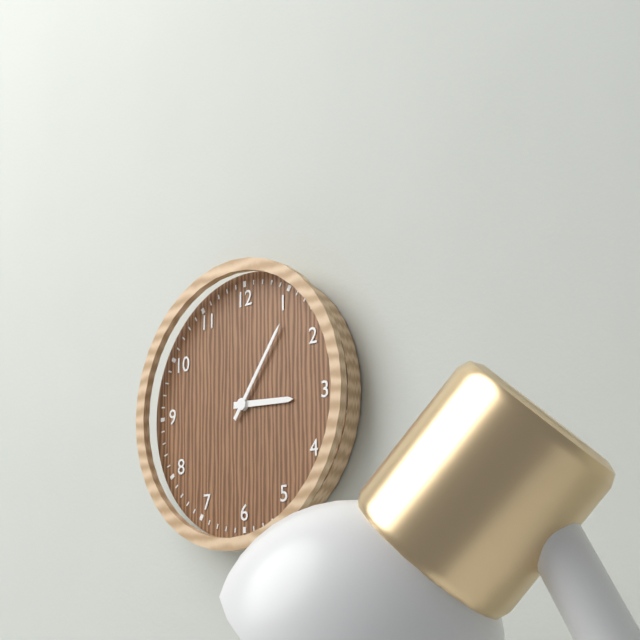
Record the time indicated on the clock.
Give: 3:06
